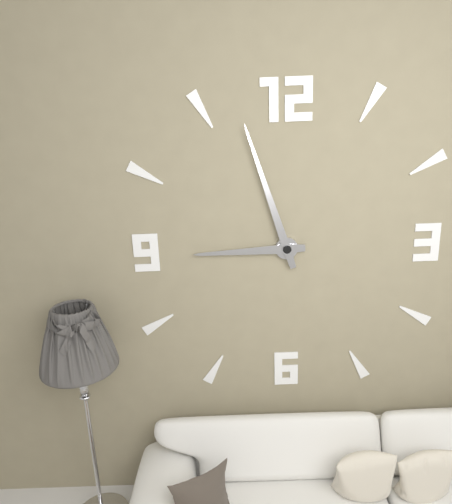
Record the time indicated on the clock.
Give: 8:57
